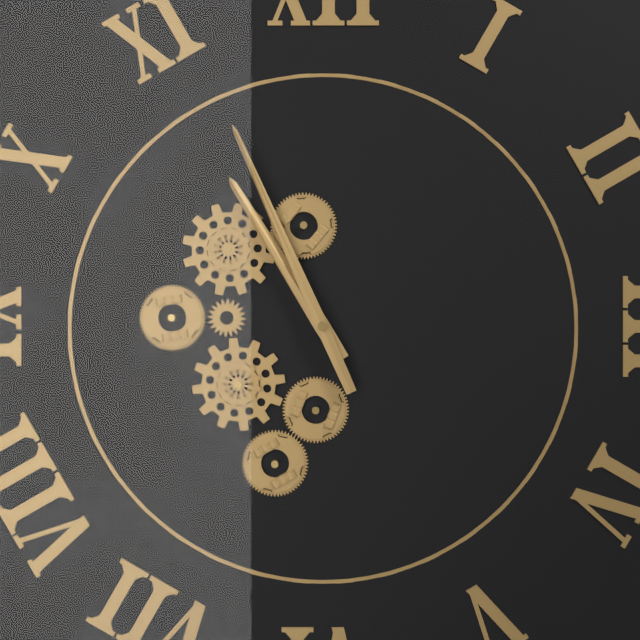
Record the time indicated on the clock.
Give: 10:56
